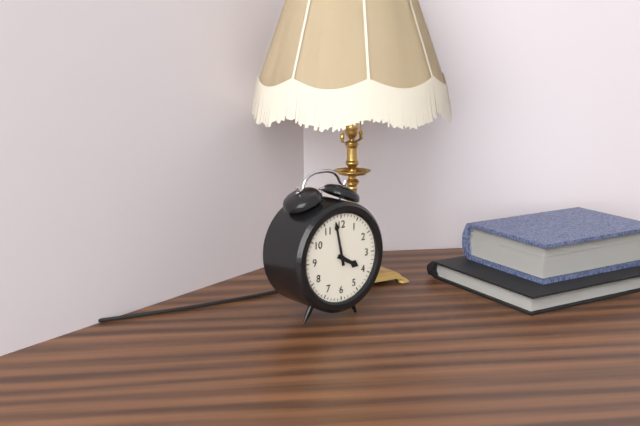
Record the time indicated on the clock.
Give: 3:58
